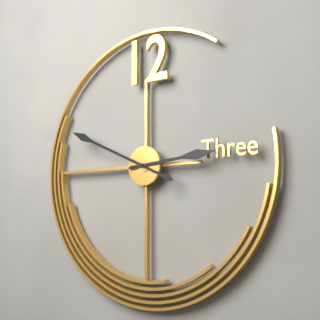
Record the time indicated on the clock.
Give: 2:49
